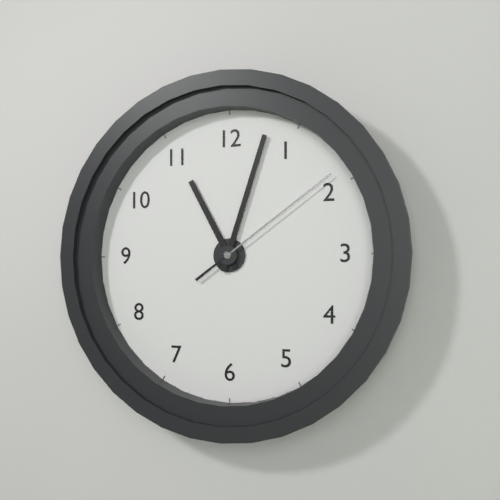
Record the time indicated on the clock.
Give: 11:03:09
